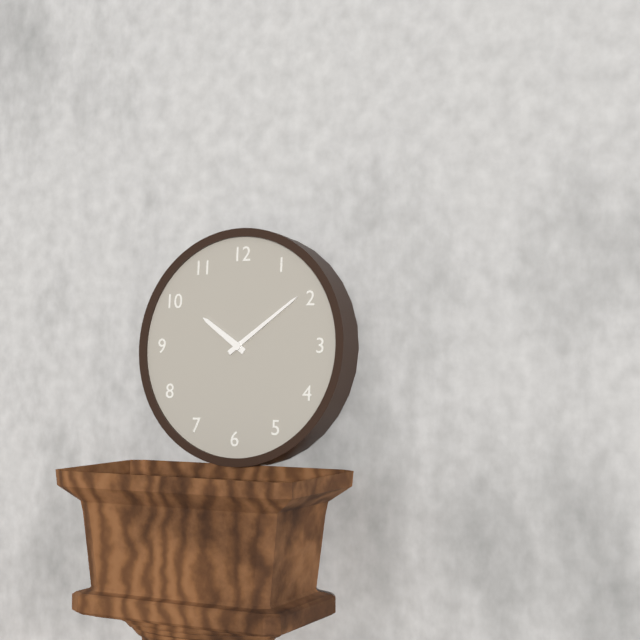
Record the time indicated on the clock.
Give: 10:09
